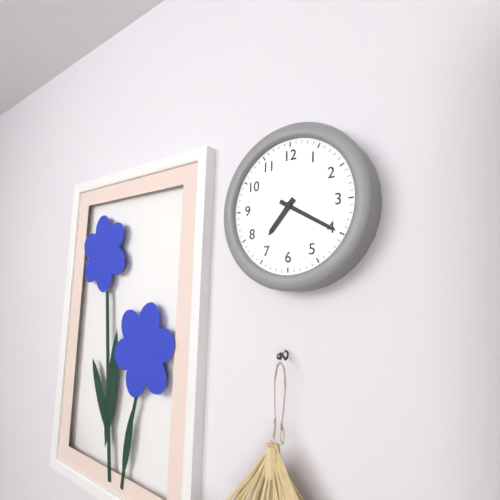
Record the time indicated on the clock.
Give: 7:20
